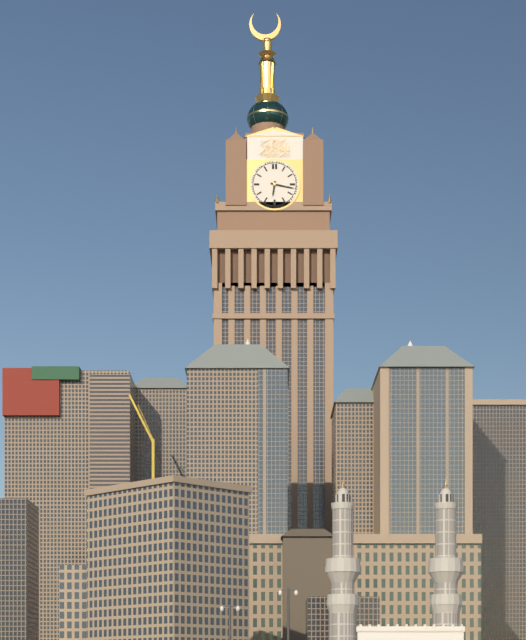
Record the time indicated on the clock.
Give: 6:17
